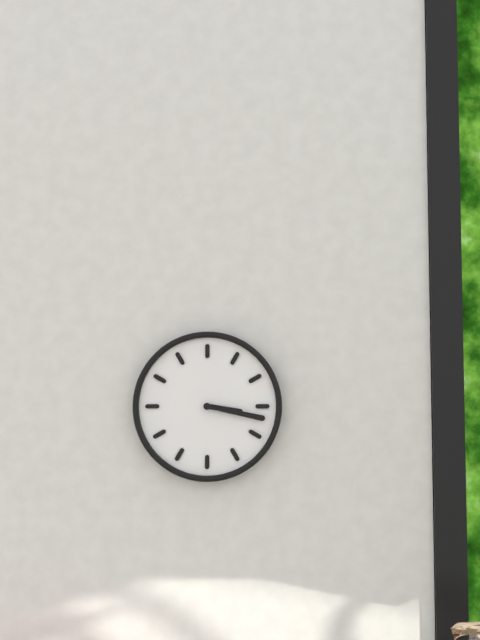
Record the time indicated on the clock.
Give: 3:17
